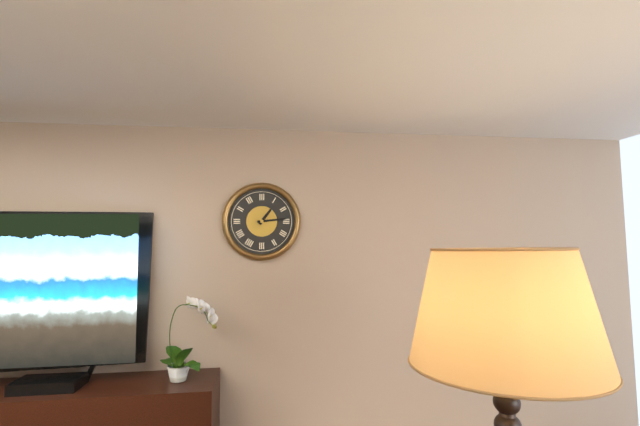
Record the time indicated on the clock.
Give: 1:14
